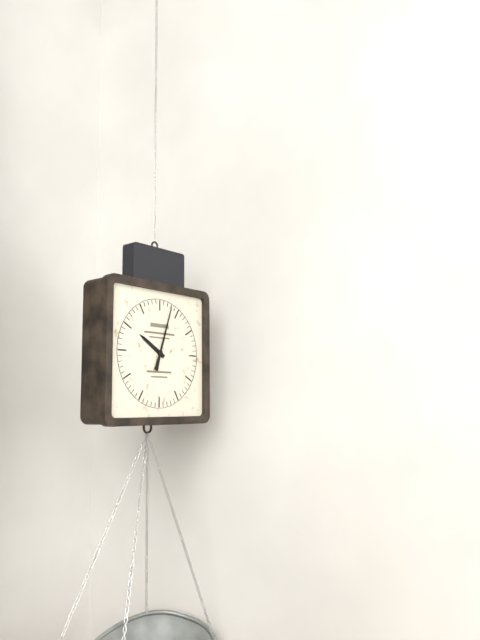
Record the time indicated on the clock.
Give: 10:03
